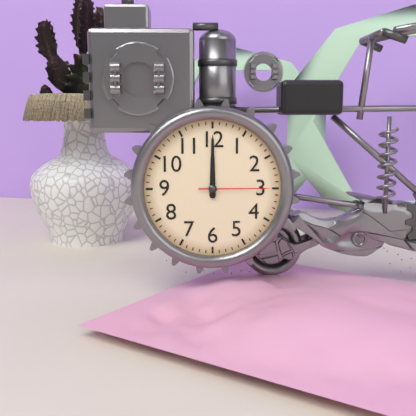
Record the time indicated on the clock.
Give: 12:00:15
